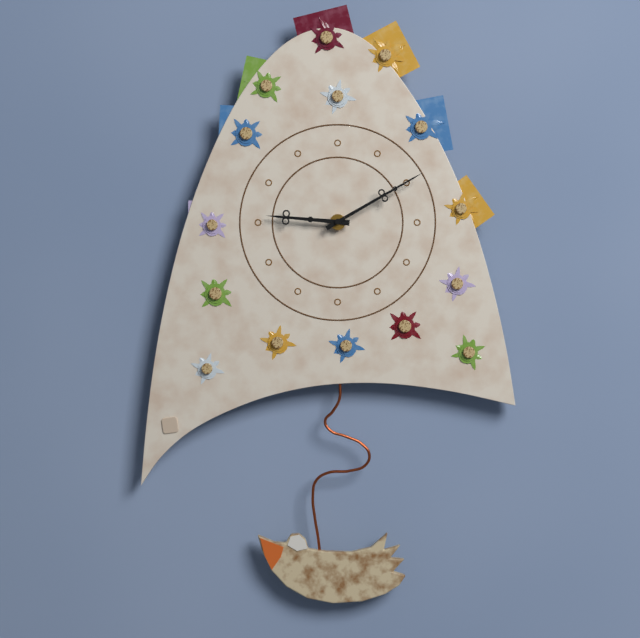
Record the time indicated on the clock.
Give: 9:10
